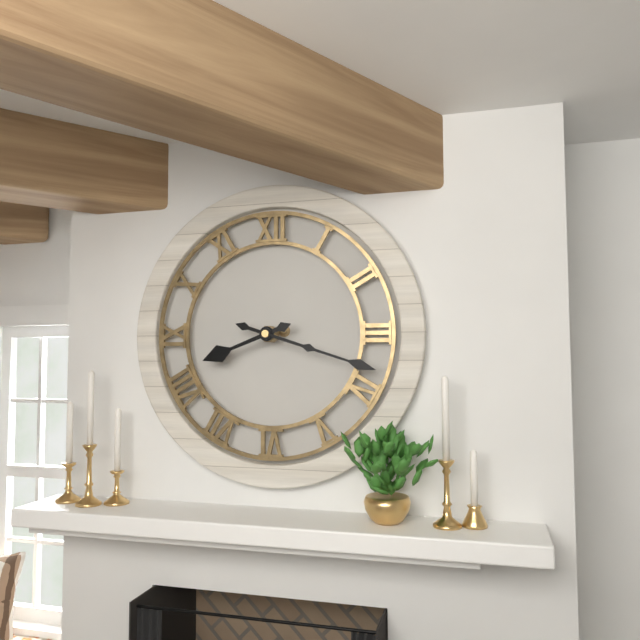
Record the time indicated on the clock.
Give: 8:18
